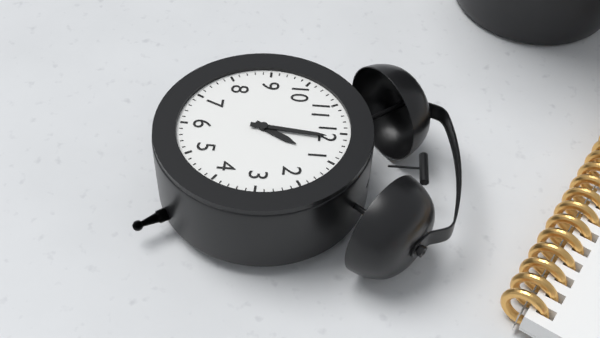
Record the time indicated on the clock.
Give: 1:01
